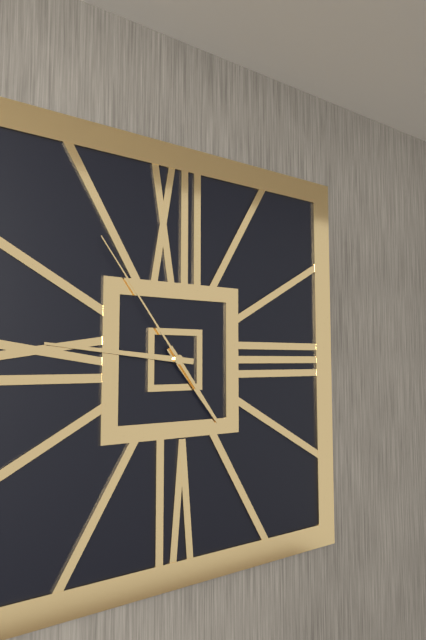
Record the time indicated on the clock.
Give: 4:46:54
